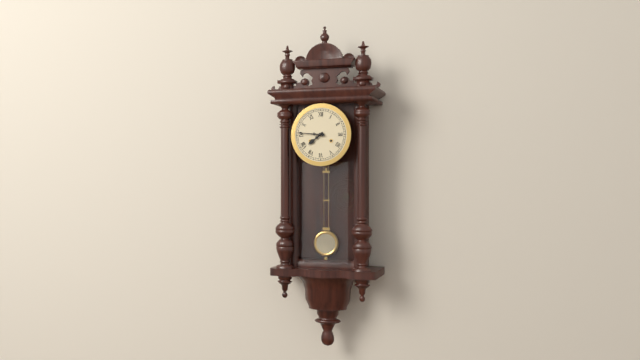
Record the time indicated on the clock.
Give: 7:46
